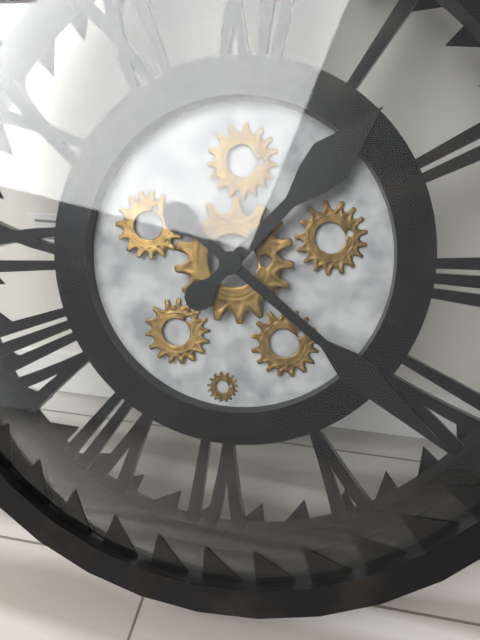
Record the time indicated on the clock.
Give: 1:21
